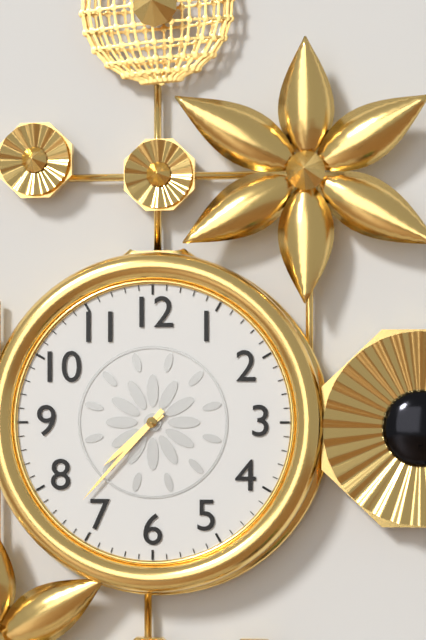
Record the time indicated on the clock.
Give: 7:37
